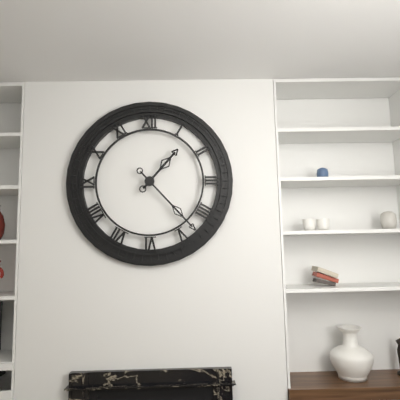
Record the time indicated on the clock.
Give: 1:23
